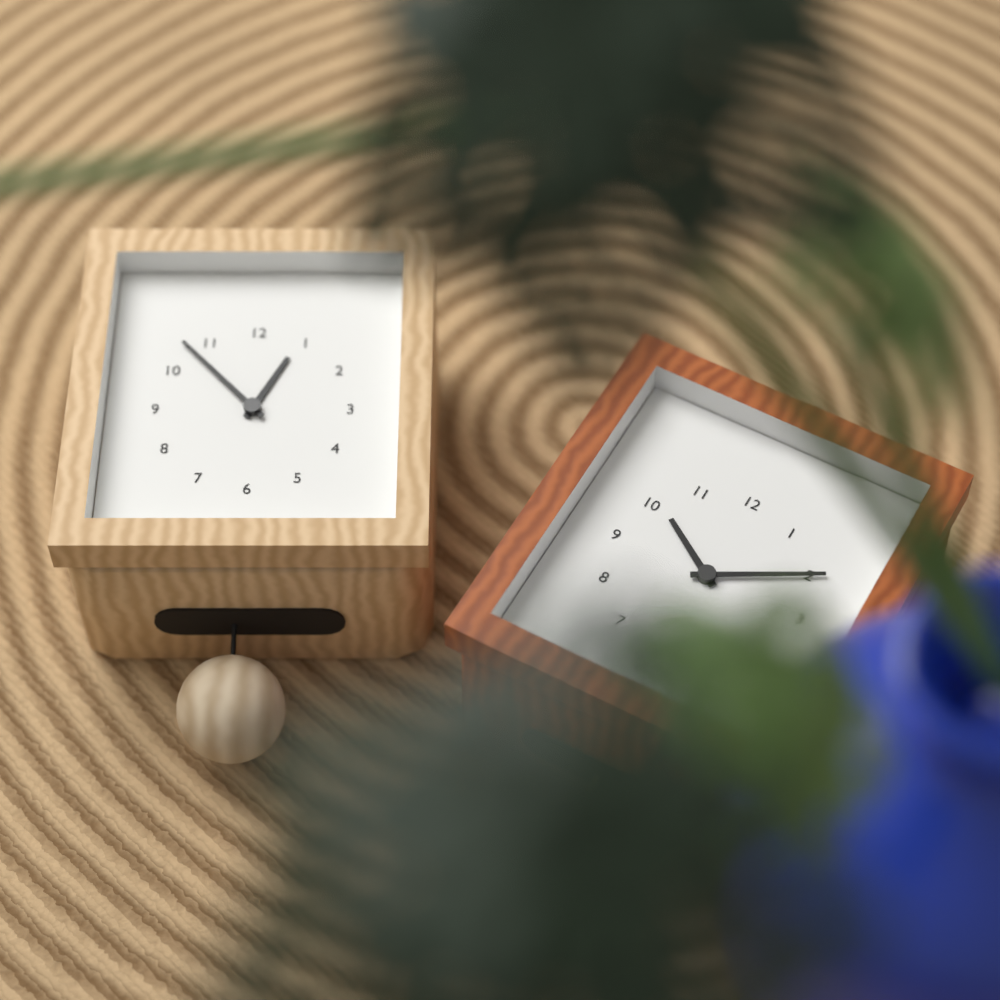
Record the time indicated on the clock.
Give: 12:53
